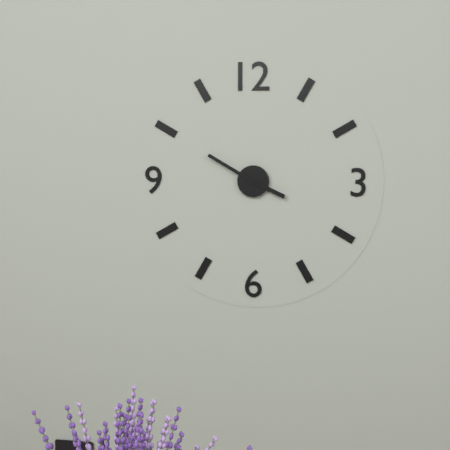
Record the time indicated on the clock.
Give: 3:50
